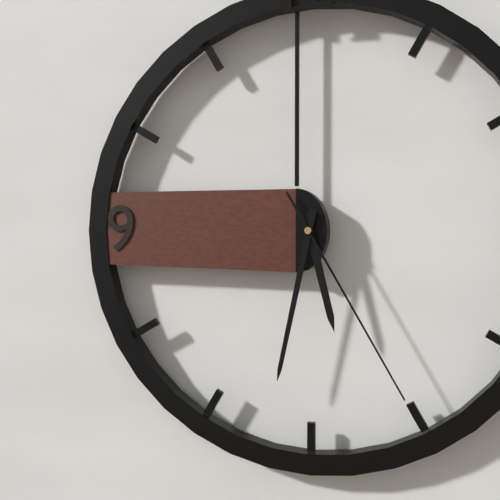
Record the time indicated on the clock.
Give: 5:32:25
